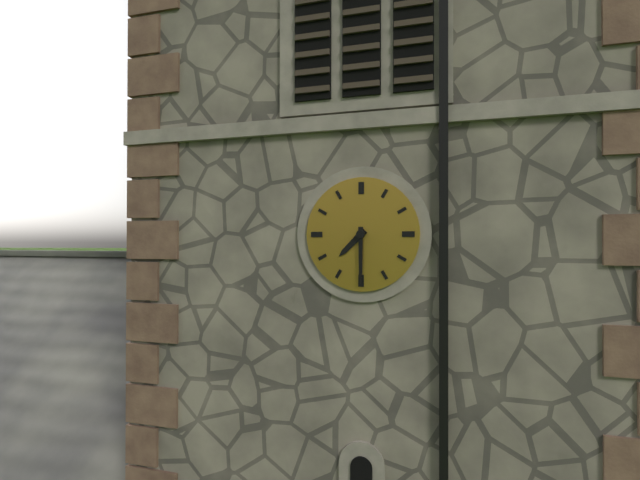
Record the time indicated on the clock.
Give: 7:30
